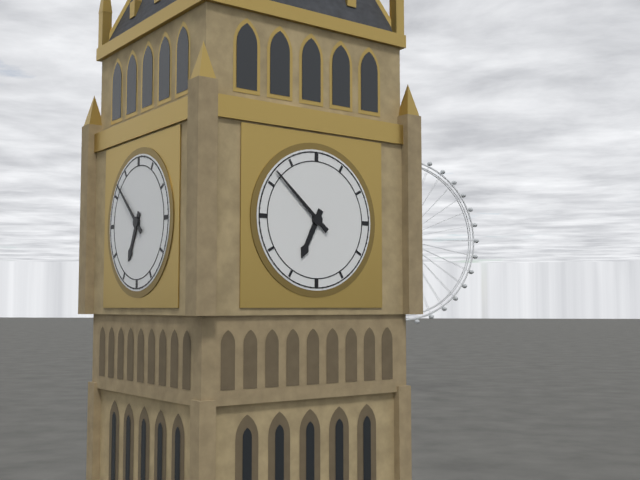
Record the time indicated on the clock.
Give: 6:52
